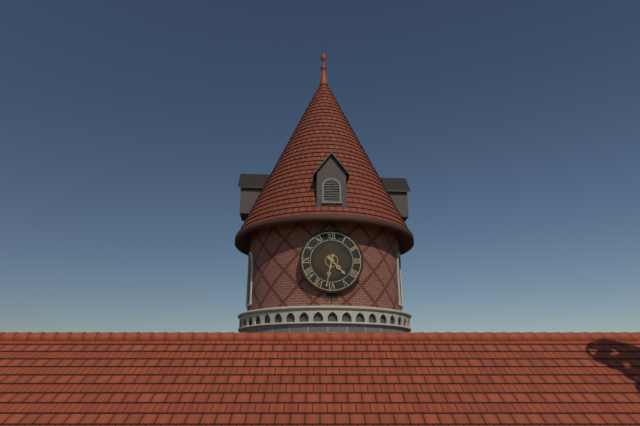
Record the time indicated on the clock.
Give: 4:32
